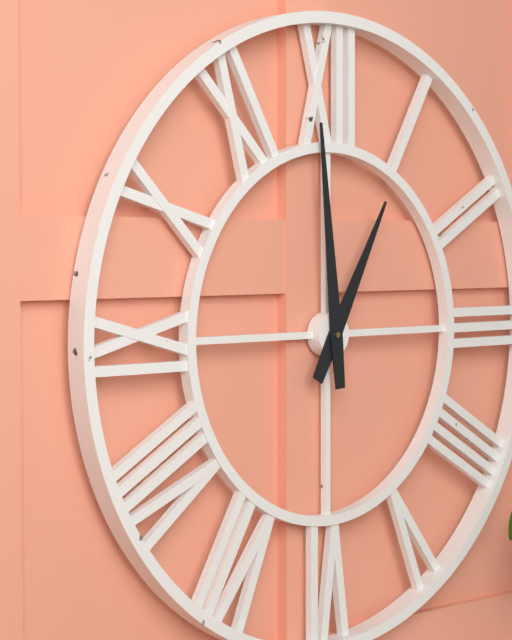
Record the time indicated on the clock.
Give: 12:59
